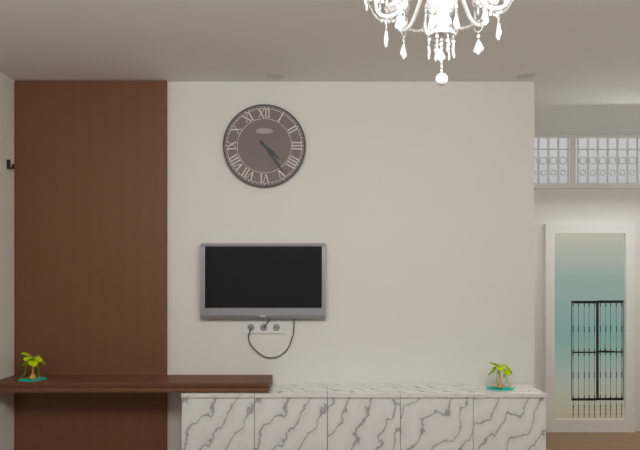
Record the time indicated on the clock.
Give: 4:24
